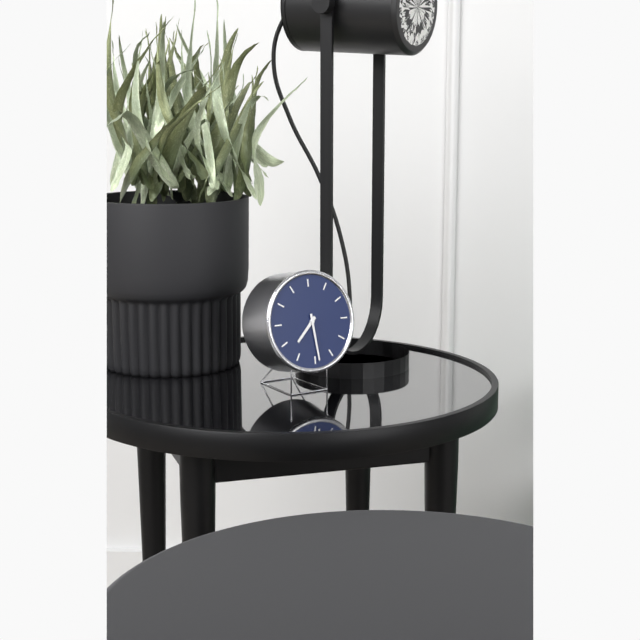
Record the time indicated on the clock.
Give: 7:29
